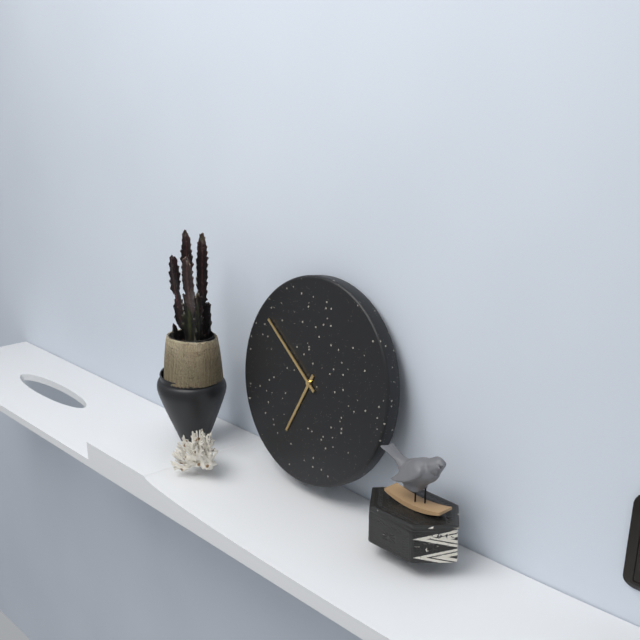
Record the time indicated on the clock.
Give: 6:51
